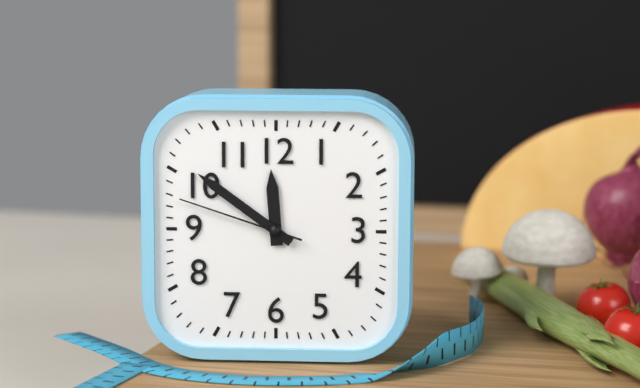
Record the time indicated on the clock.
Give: 11:51:48
